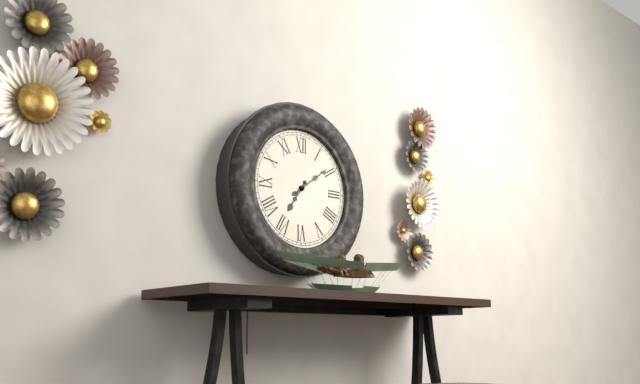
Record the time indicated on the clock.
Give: 7:09
